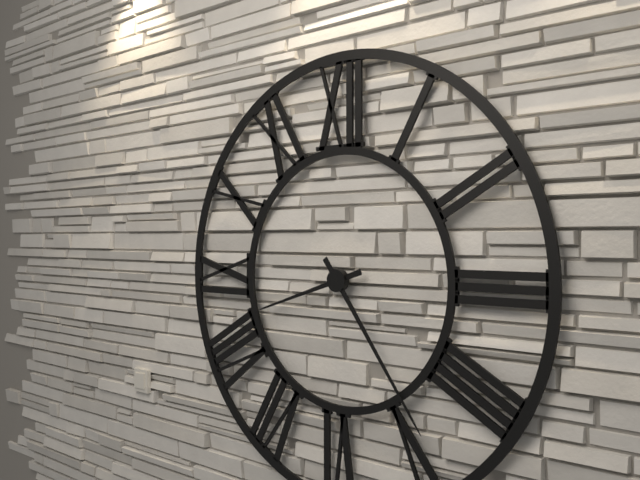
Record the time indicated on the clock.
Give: 8:24
